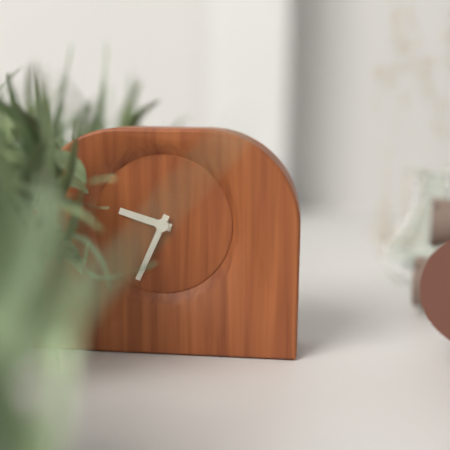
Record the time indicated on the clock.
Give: 9:34
